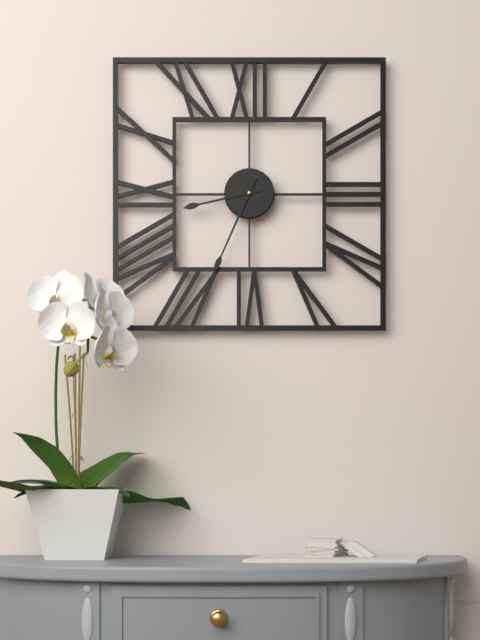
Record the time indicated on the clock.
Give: 8:34
